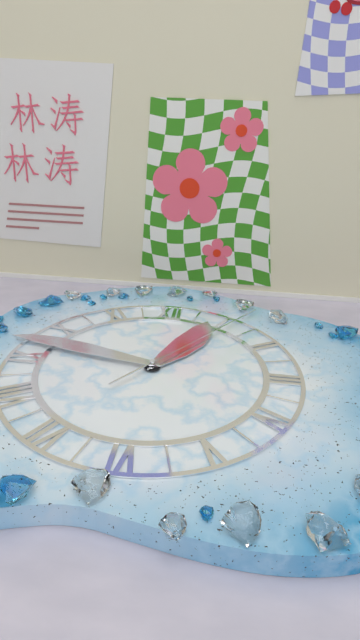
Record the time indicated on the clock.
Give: 12:47:06
